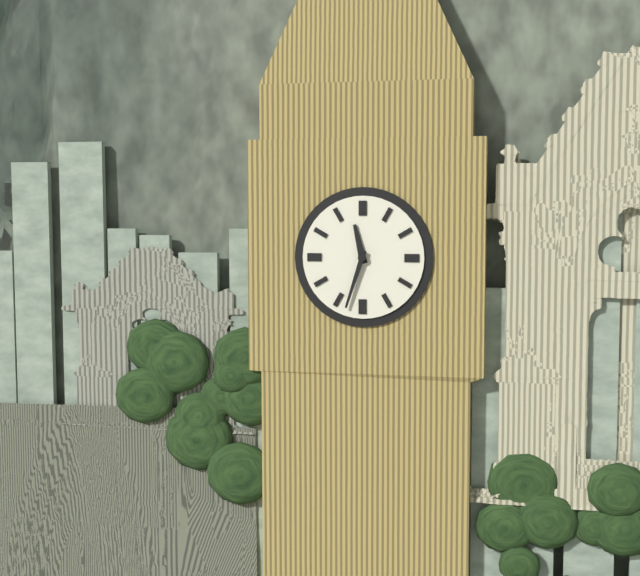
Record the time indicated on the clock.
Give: 11:33
